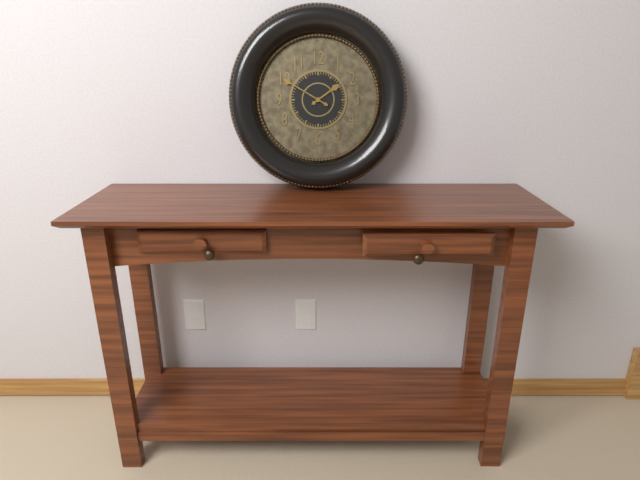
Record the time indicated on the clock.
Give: 1:50
